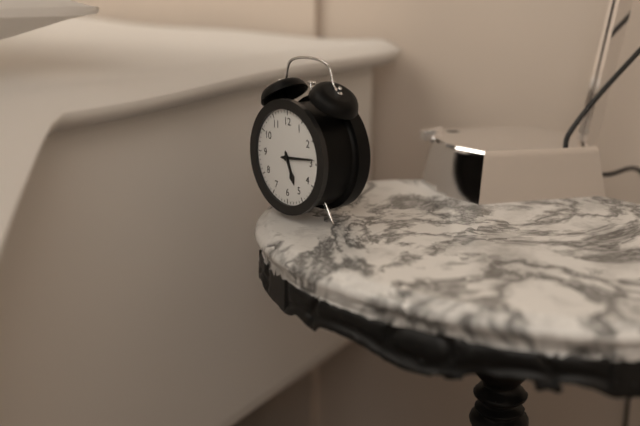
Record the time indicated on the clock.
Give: 5:14
